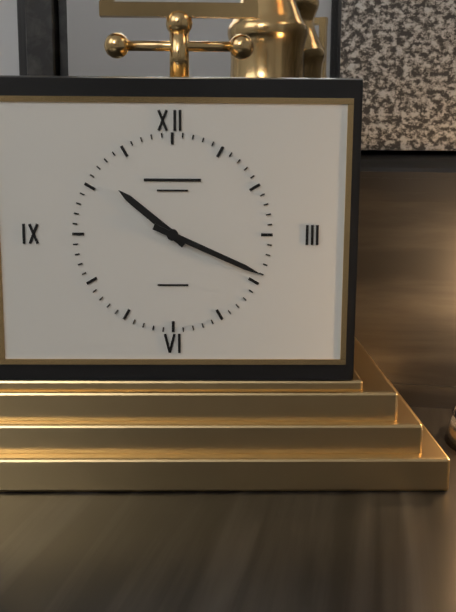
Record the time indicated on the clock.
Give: 10:19
